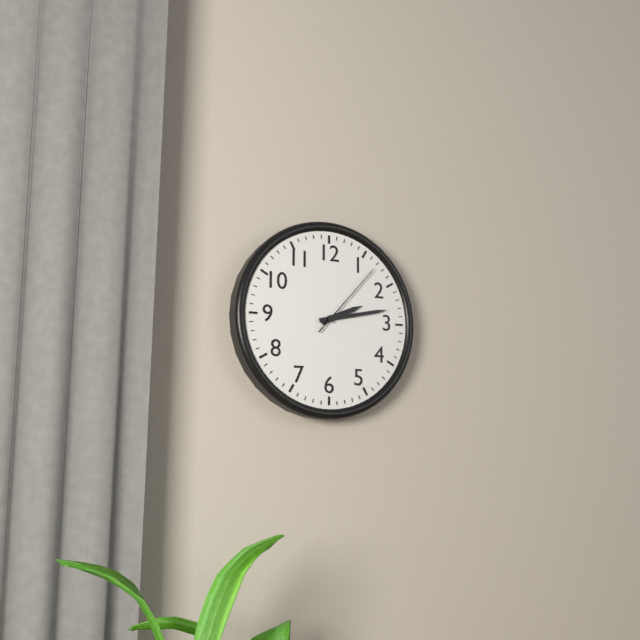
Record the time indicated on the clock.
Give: 2:13:07
